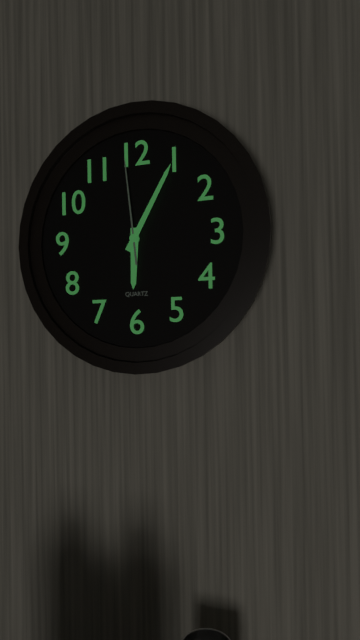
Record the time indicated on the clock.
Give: 6:05:59
